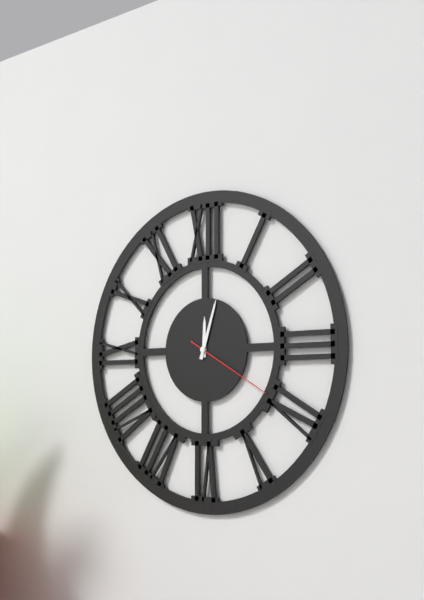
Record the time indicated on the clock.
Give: 12:03:20
